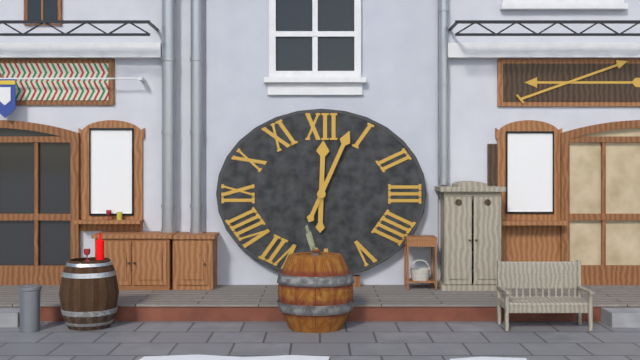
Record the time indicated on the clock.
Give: 12:04
